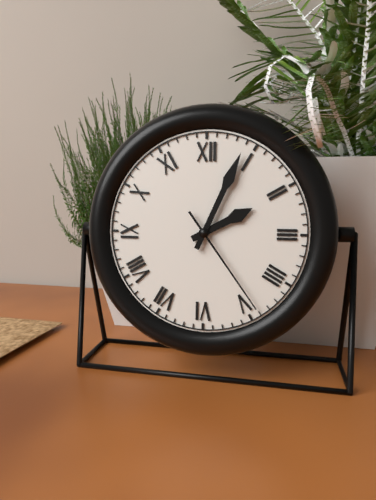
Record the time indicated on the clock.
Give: 2:04:24
